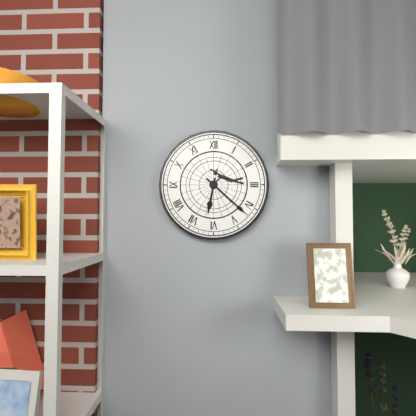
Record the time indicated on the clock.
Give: 6:22
